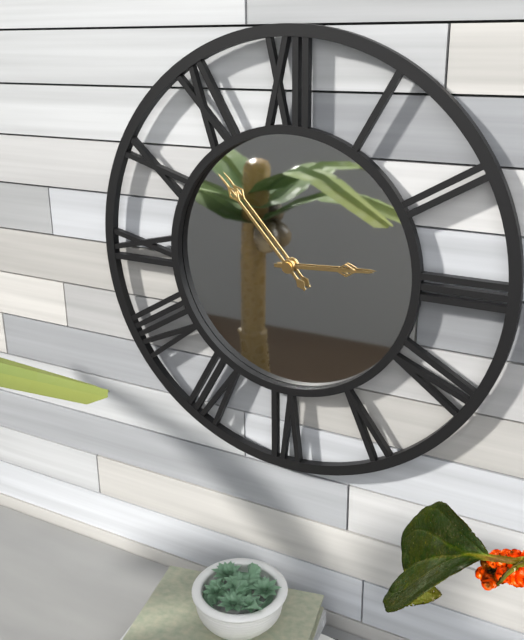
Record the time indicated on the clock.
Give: 2:53
